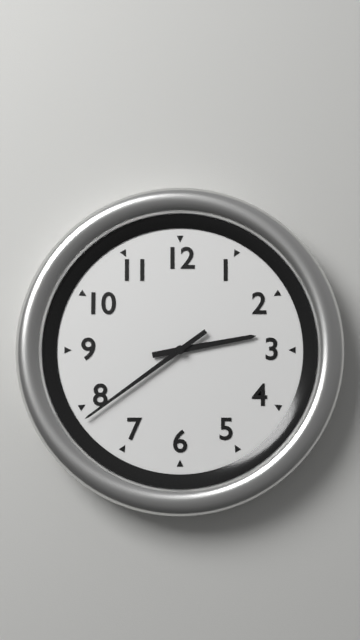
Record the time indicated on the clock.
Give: 2:39
